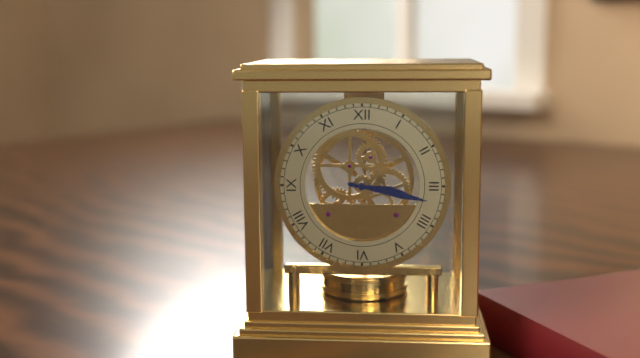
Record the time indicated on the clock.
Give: 3:17
